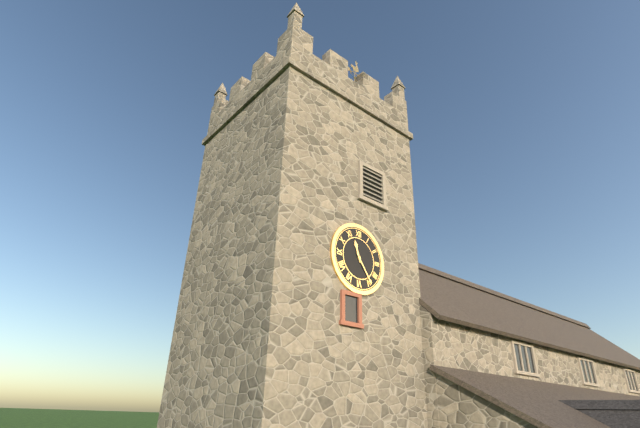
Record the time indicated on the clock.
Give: 11:24
